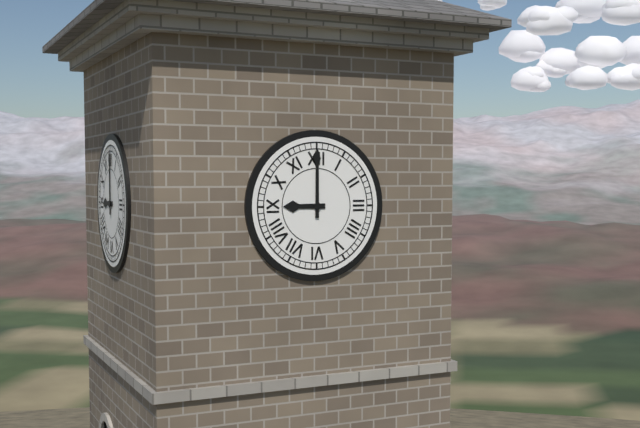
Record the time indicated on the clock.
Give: 9:00
